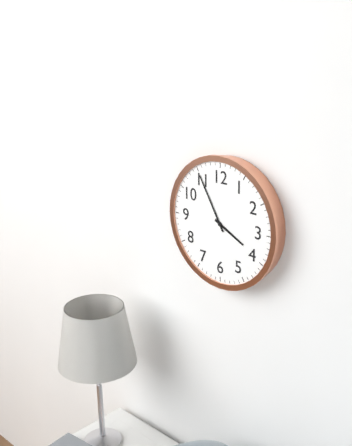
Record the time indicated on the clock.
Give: 3:55
